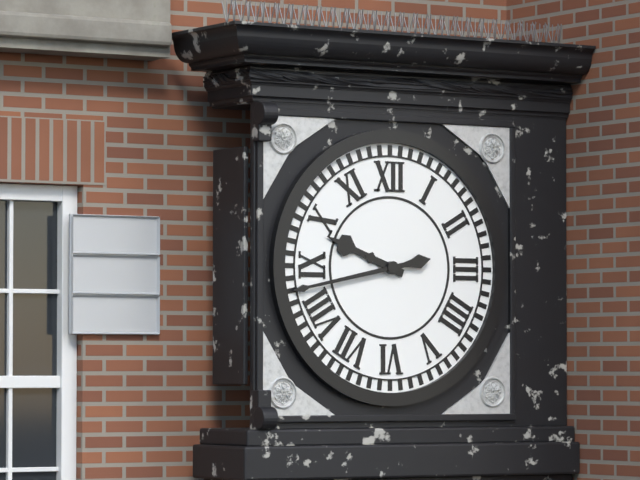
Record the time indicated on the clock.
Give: 9:43
